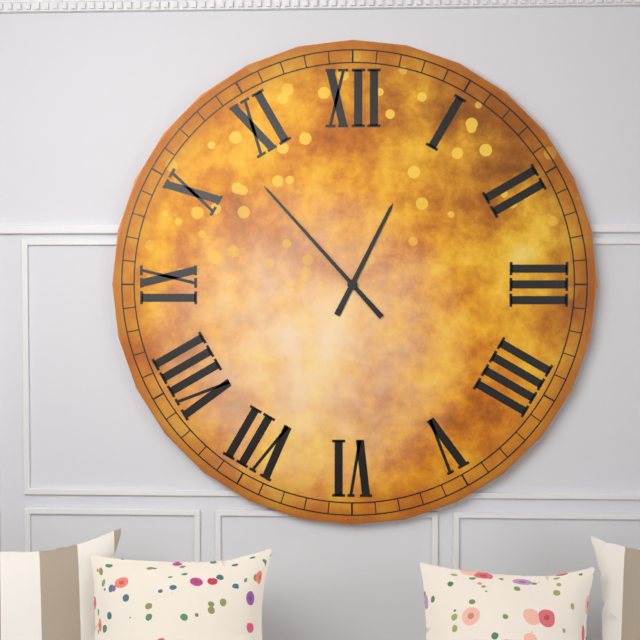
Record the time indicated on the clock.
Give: 12:53
